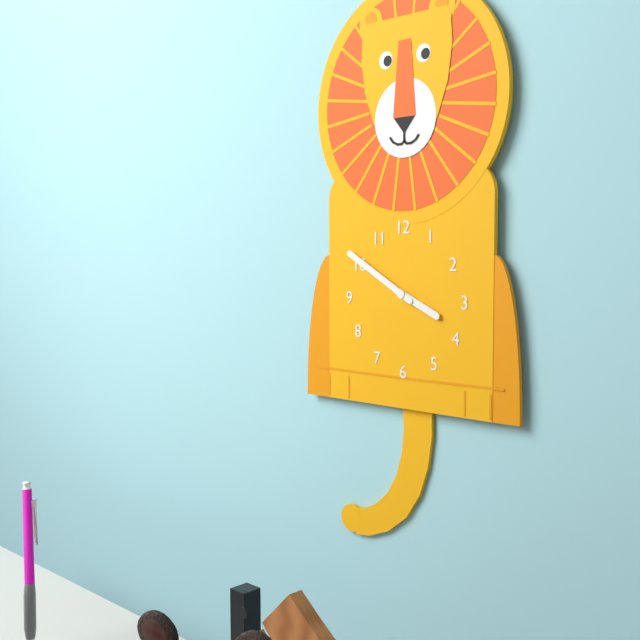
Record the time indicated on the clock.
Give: 3:50
